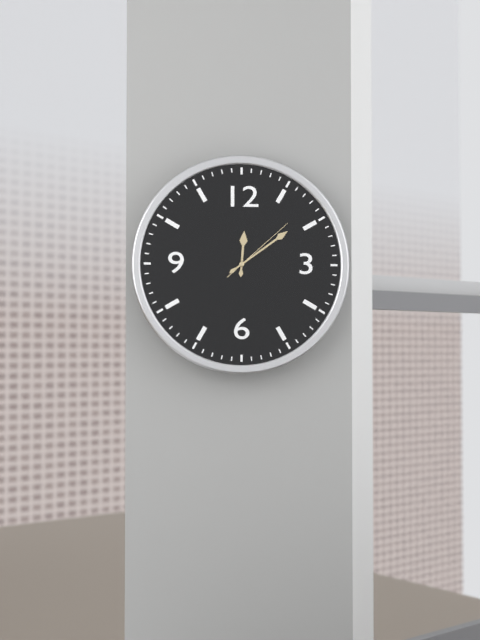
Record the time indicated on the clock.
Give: 12:09:08
